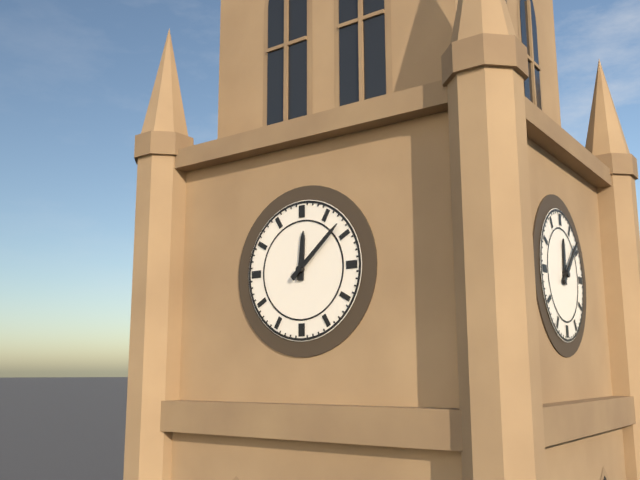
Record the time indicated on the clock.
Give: 12:08
